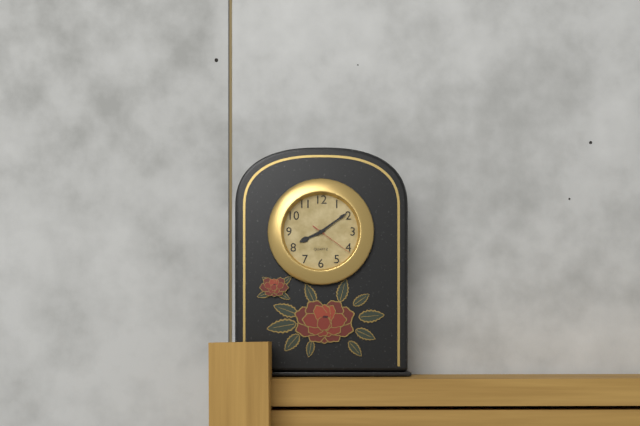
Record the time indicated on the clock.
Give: 8:09
